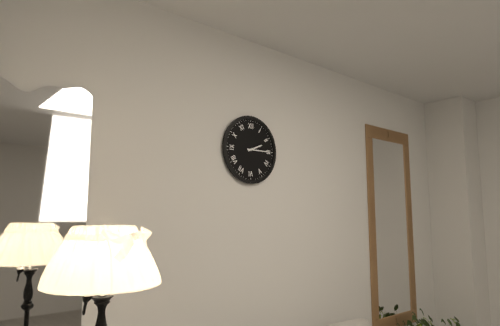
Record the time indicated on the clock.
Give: 2:15
